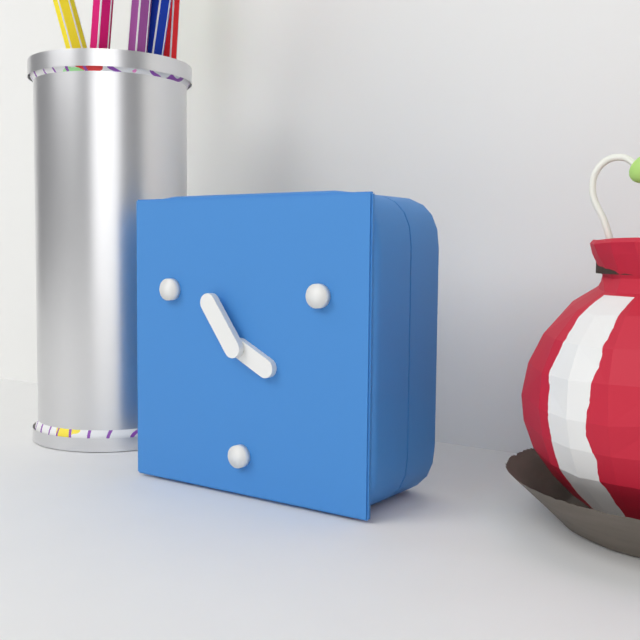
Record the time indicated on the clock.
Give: 3:54
